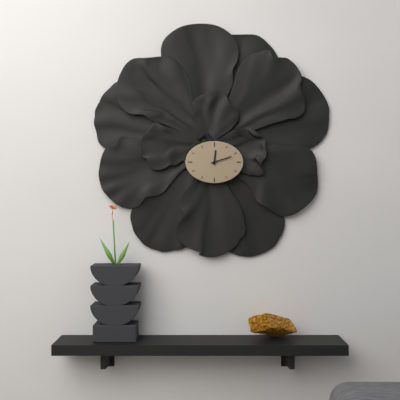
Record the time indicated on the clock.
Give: 12:12
